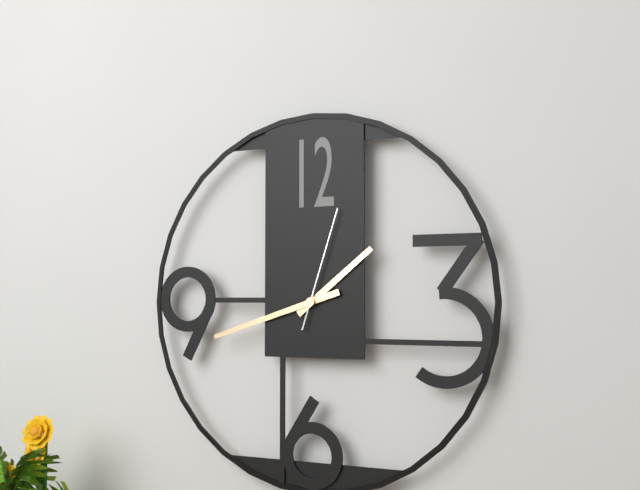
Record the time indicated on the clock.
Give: 1:42:03
